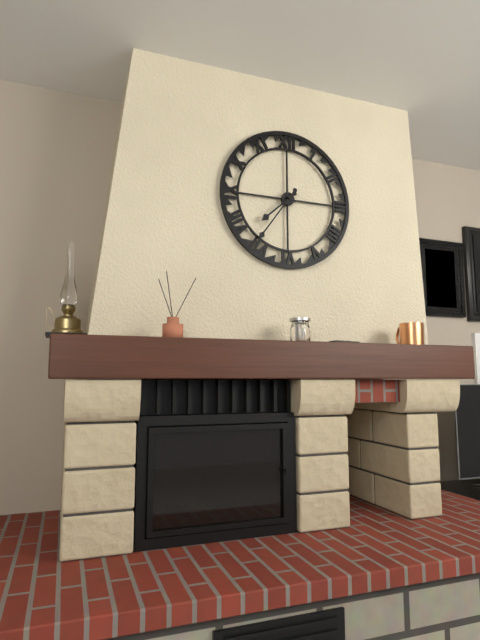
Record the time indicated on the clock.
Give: 7:36
